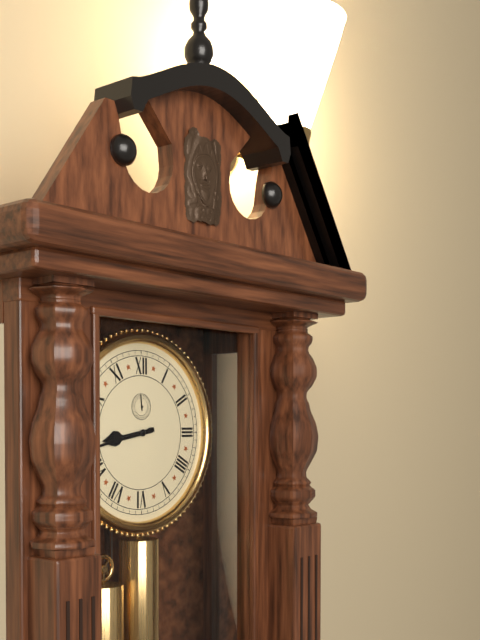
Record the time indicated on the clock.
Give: 8:43
